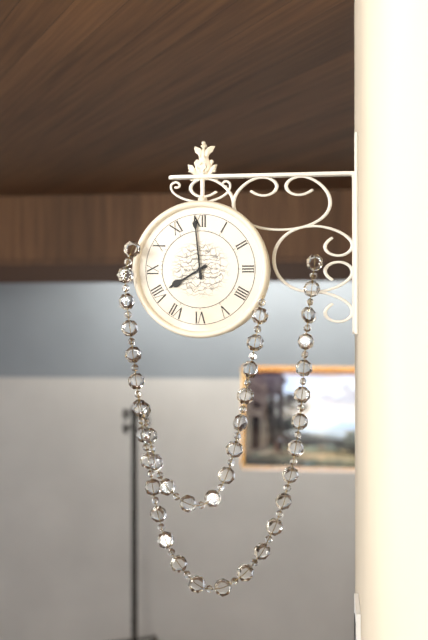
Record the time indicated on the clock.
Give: 7:59
